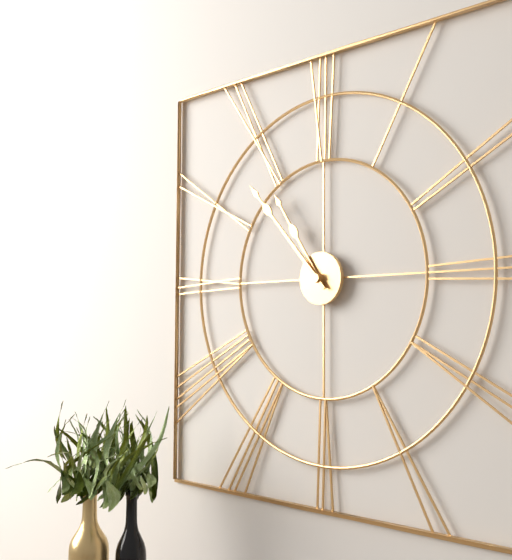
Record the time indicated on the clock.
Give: 10:53
